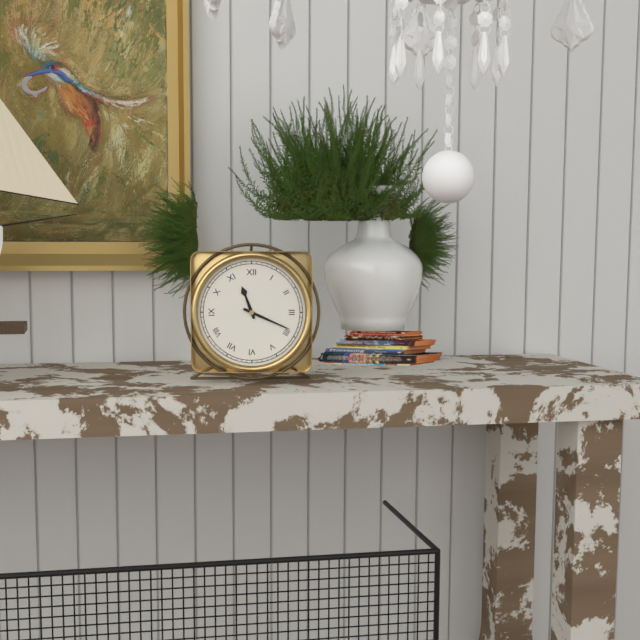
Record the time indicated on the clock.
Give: 11:19
